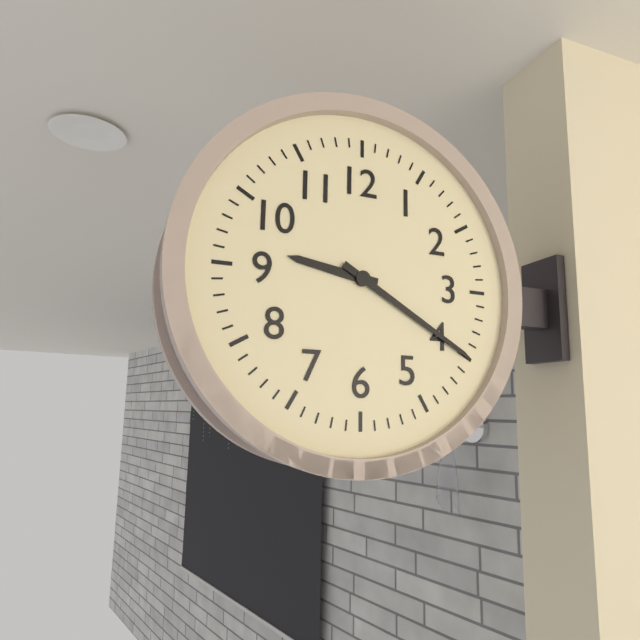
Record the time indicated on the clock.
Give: 9:20
